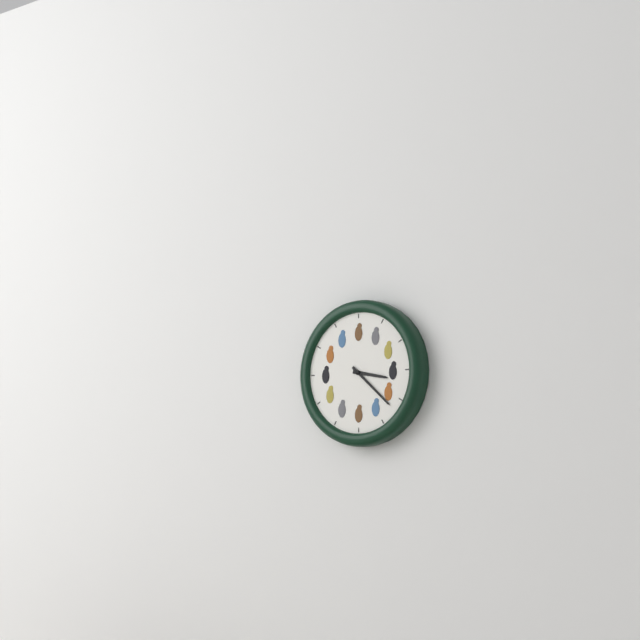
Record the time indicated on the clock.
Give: 3:22
